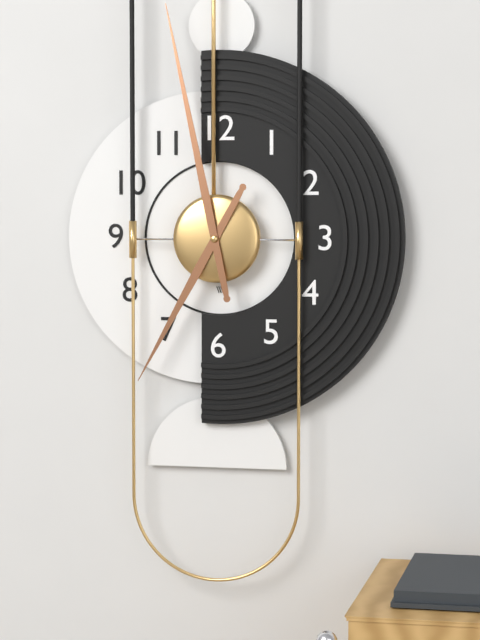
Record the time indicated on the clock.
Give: 6:58
